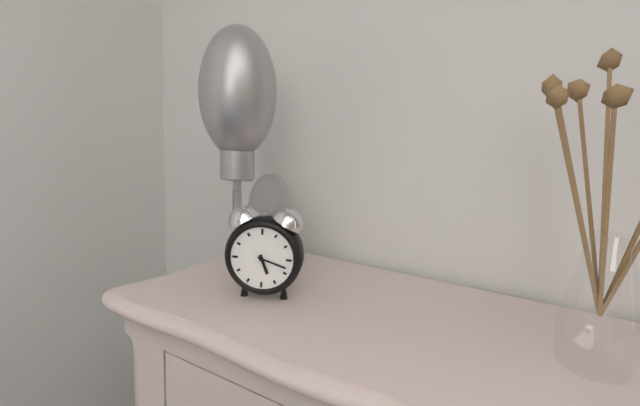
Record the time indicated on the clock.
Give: 5:18
